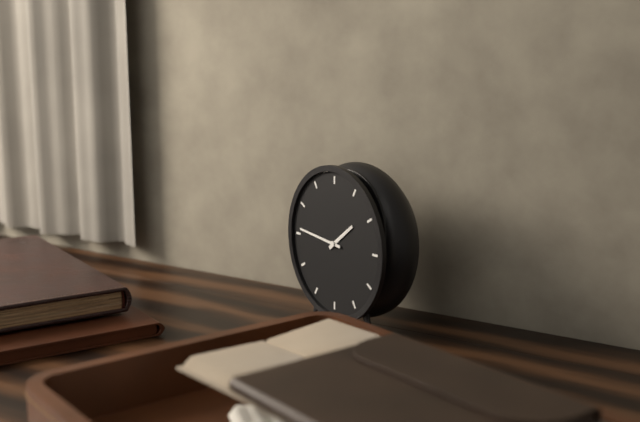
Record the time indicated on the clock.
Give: 1:46
